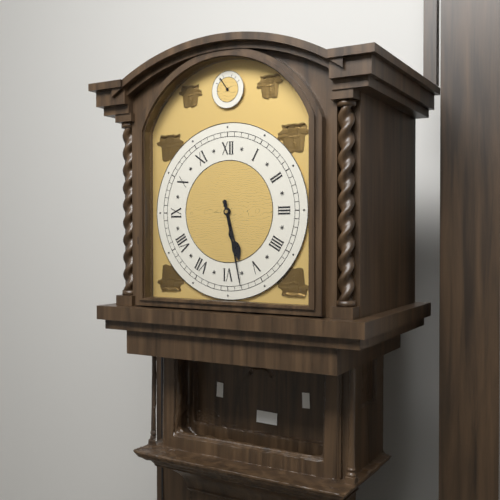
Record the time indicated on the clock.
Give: 5:28
